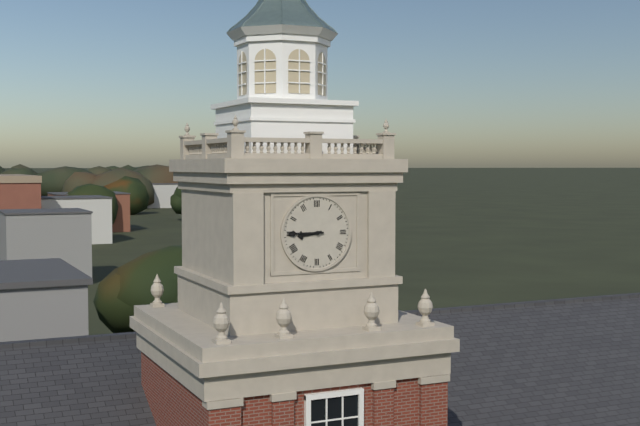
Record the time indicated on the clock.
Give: 8:45
